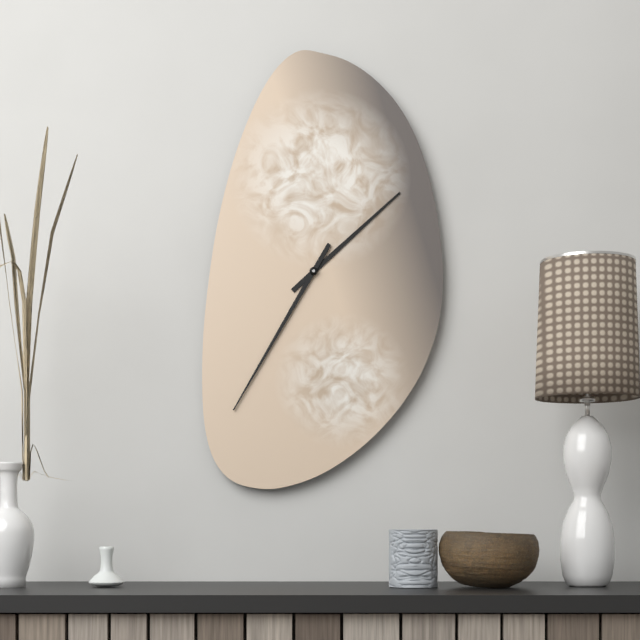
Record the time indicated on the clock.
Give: 1:35
